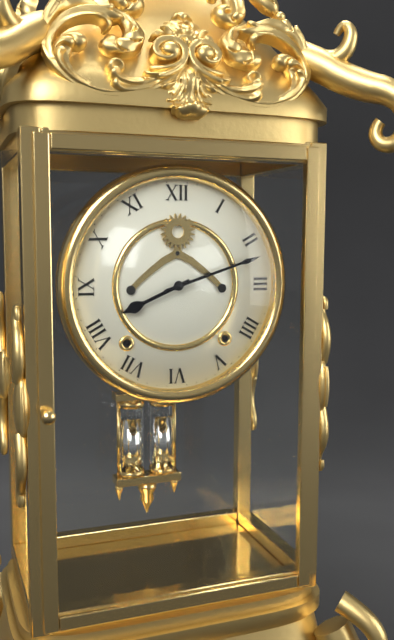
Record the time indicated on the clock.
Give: 8:12
